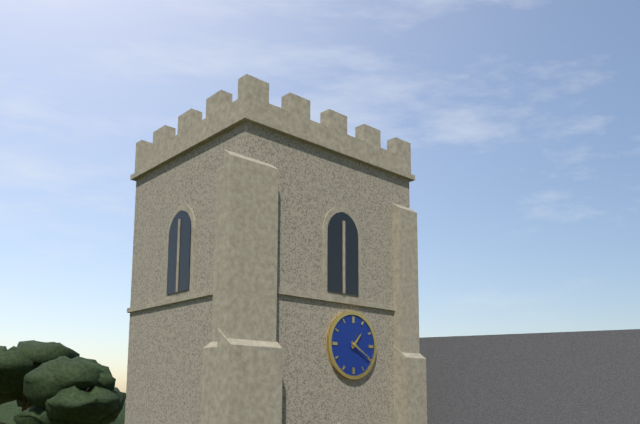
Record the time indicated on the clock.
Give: 1:20
